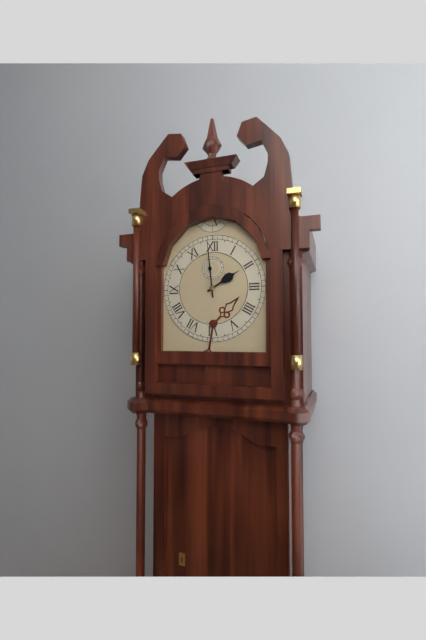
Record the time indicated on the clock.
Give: 1:59
